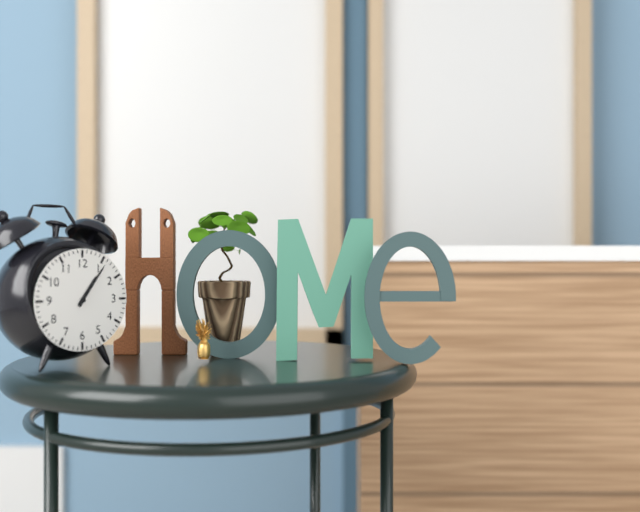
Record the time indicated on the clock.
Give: 1:06
